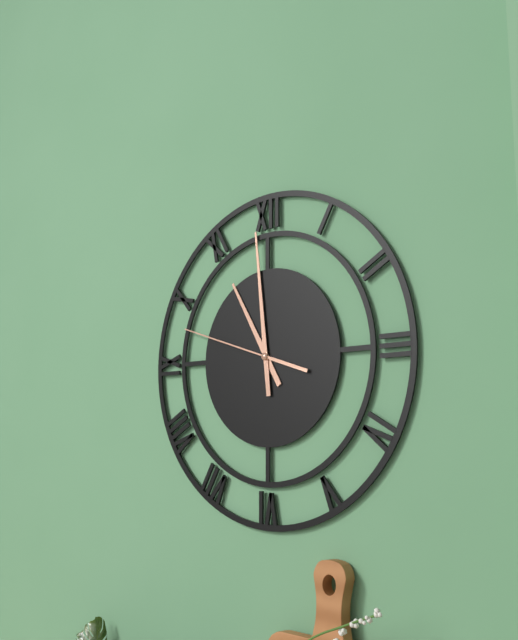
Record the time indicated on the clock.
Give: 10:59:48
